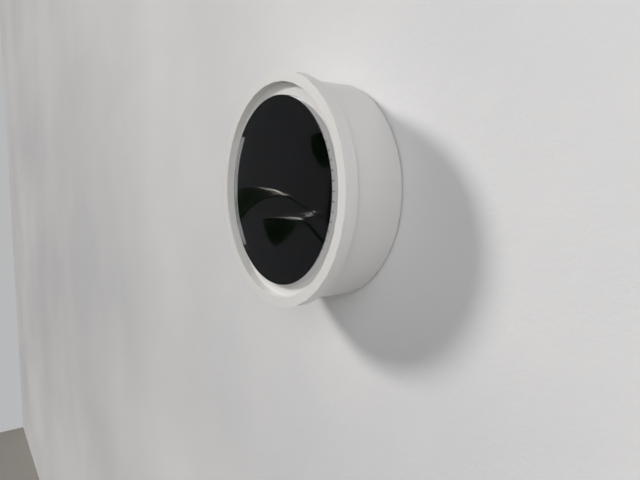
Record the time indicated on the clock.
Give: 10:09:41
